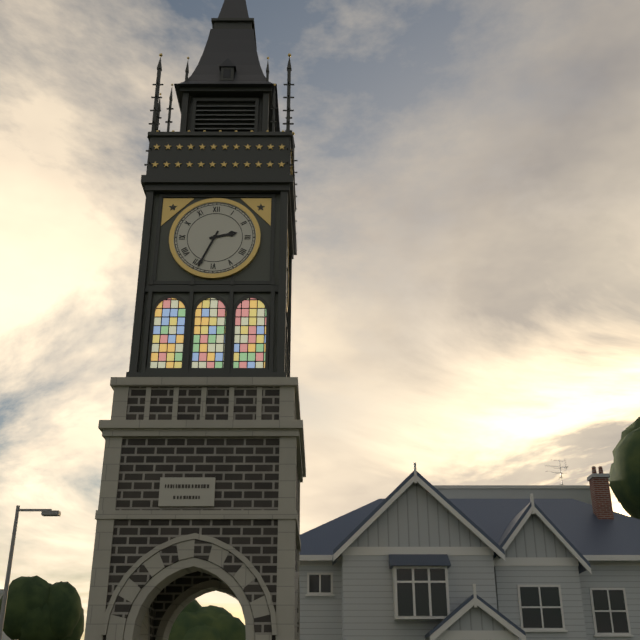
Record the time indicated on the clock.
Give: 2:34
